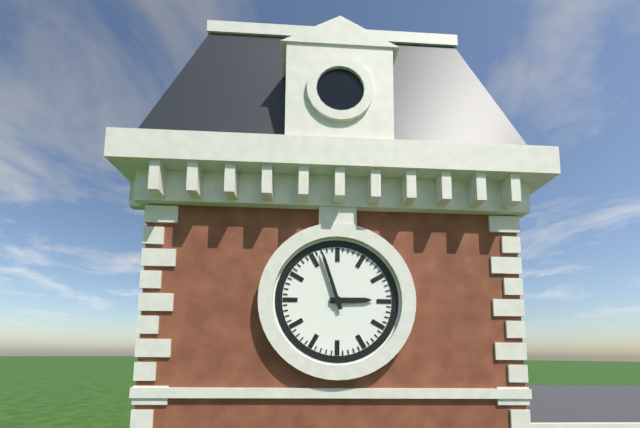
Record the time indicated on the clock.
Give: 2:57
